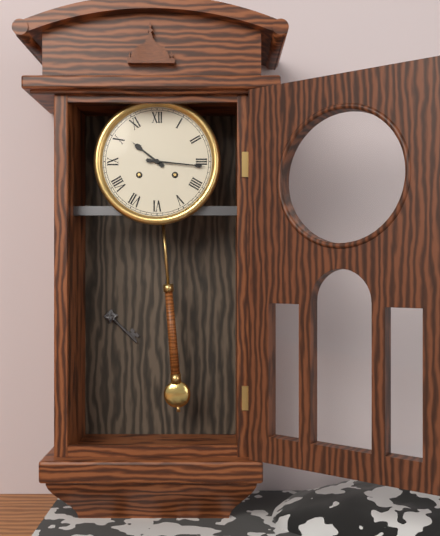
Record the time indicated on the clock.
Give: 10:16
